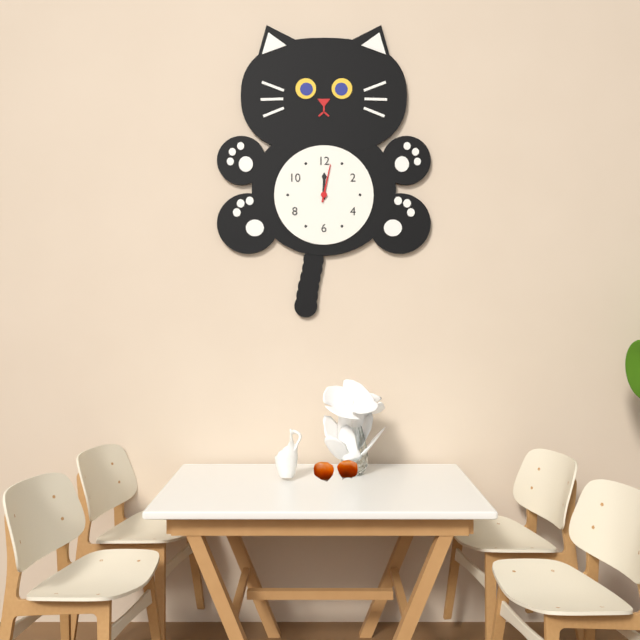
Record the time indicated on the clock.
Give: 12:02
